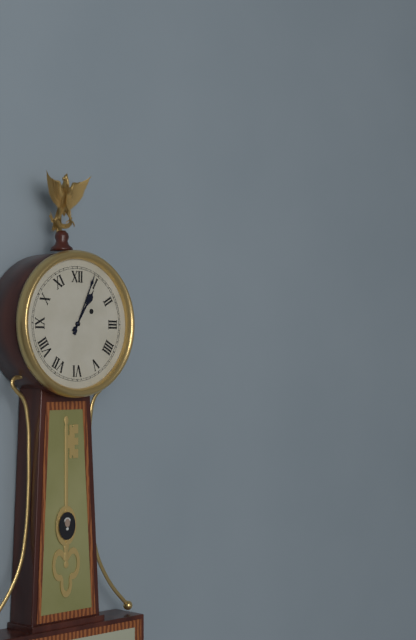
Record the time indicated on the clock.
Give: 1:04
